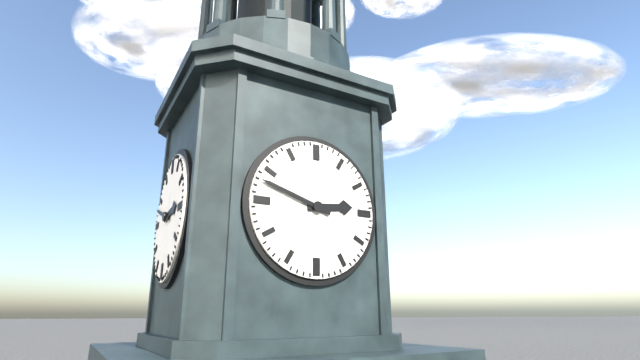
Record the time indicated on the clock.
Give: 2:48
